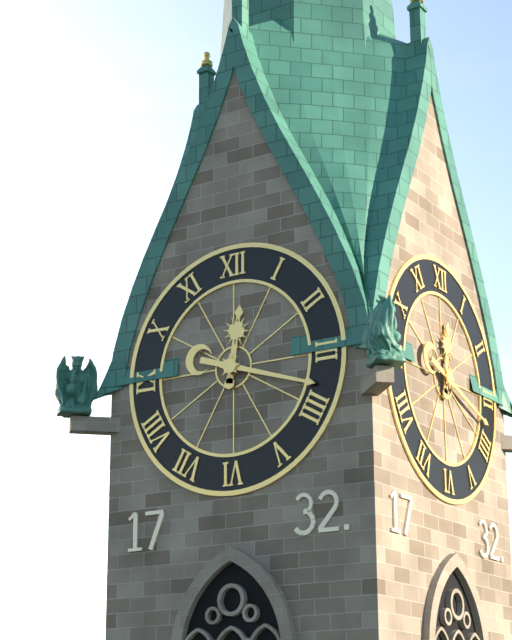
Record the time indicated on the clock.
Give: 12:18
